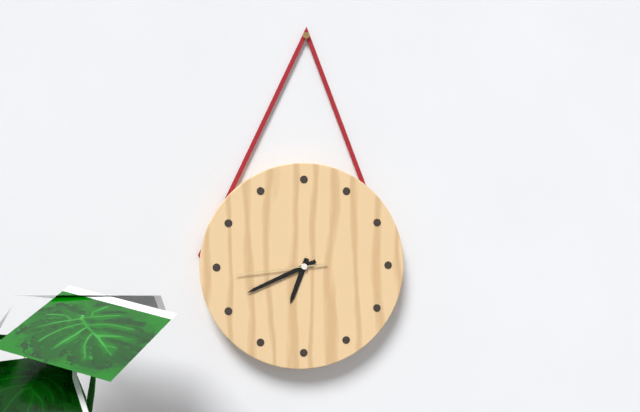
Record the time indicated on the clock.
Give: 6:41:44
